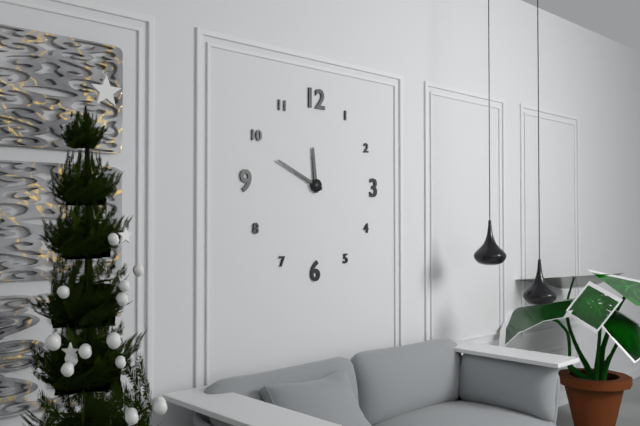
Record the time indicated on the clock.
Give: 11:49
